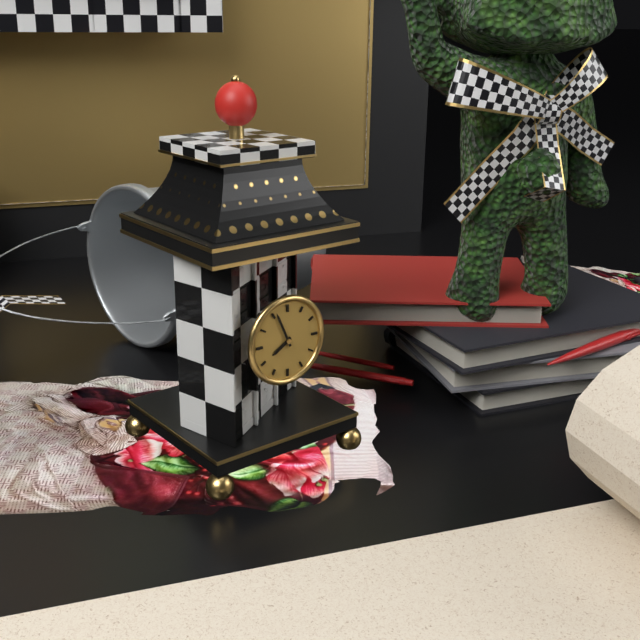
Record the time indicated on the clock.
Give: 7:56
